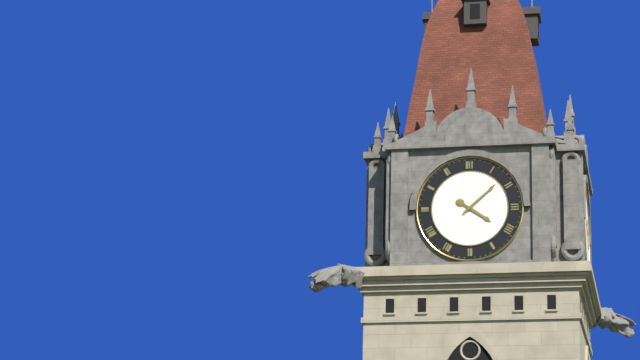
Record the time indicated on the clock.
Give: 4:08
